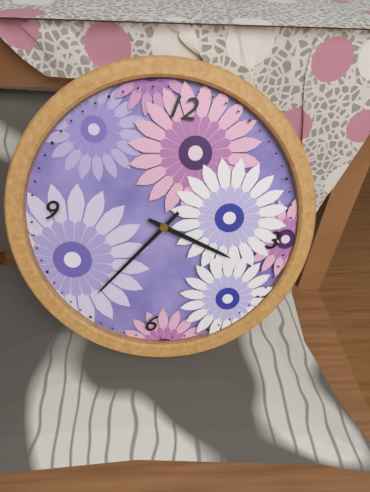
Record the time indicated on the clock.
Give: 3:36
